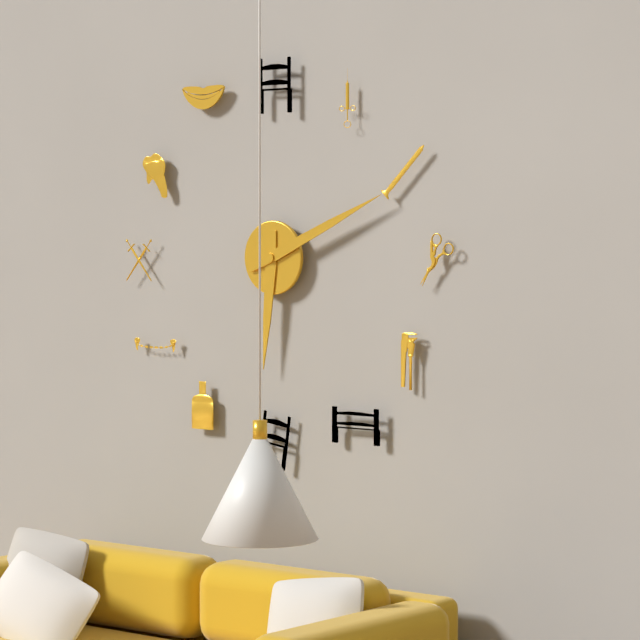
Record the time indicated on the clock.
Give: 6:11
